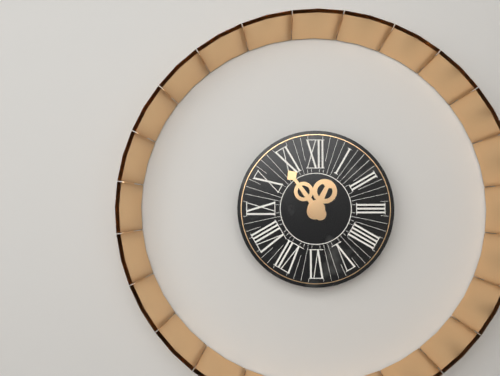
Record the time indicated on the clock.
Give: 12:54
